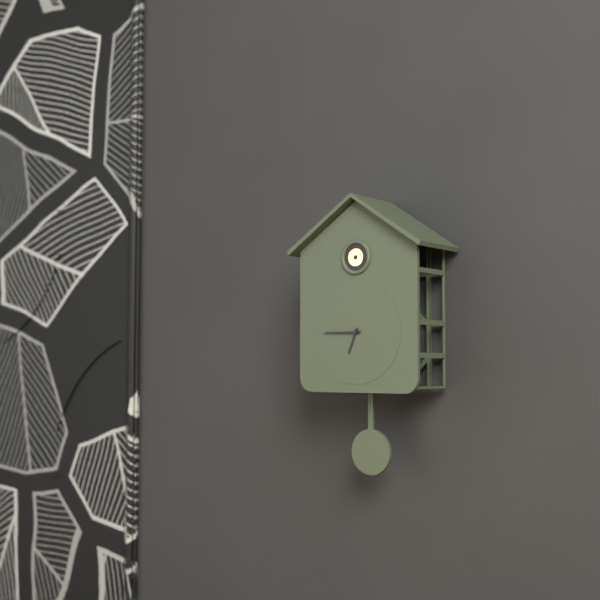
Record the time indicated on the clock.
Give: 6:45
